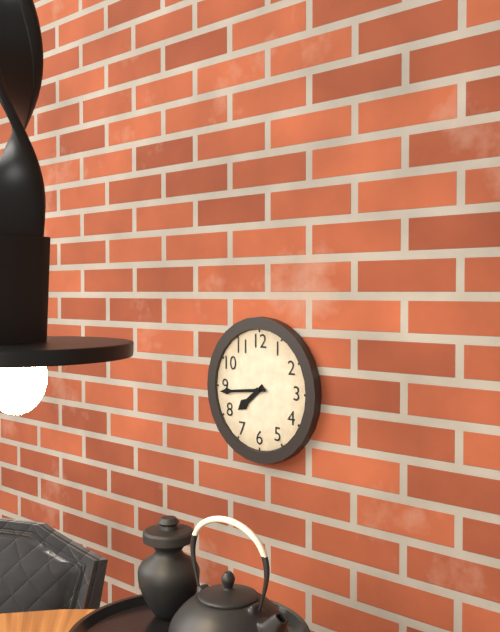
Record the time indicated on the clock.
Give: 7:44
